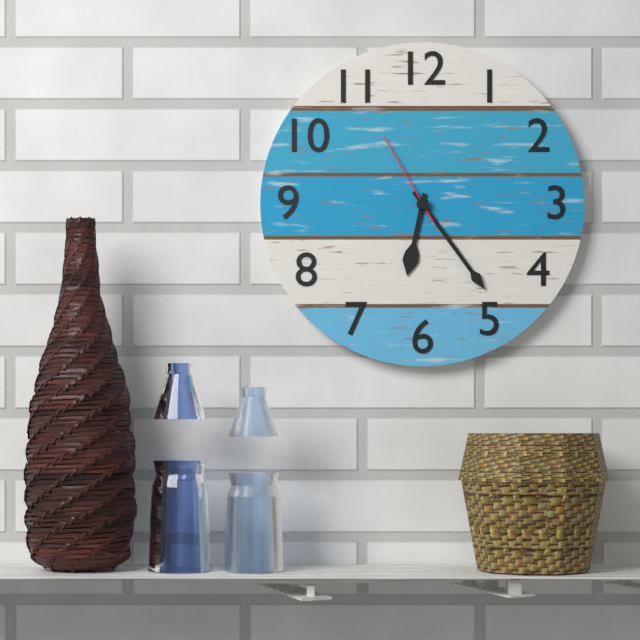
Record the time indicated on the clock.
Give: 6:24:55
